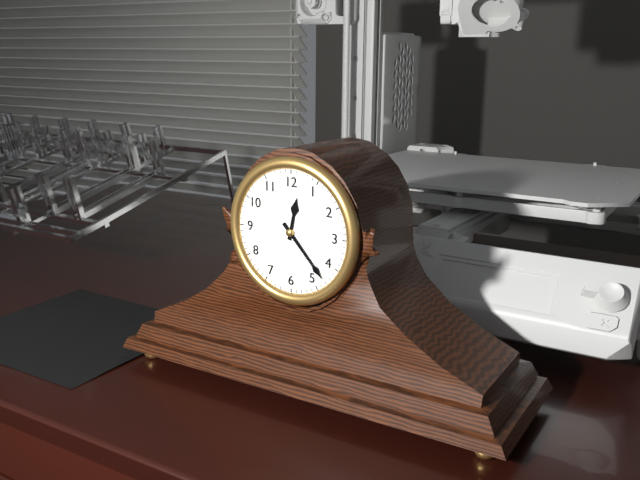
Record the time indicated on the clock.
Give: 12:23
